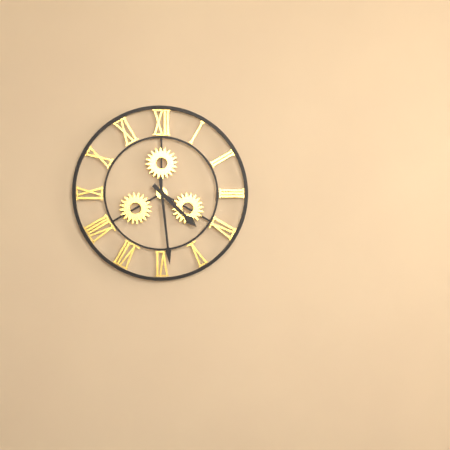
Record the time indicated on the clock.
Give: 4:29
